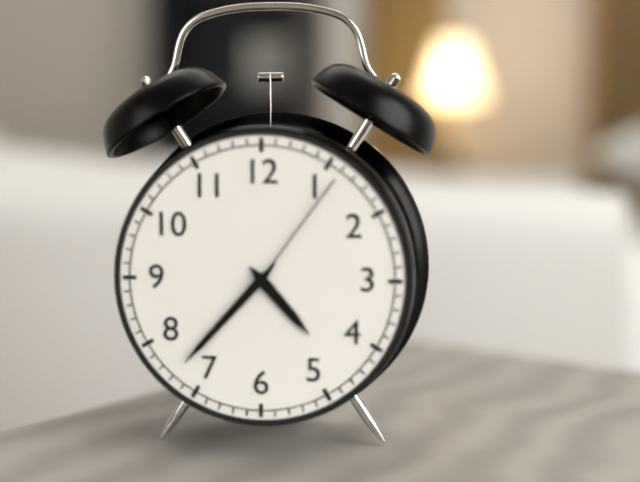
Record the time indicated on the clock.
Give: 4:37:06
